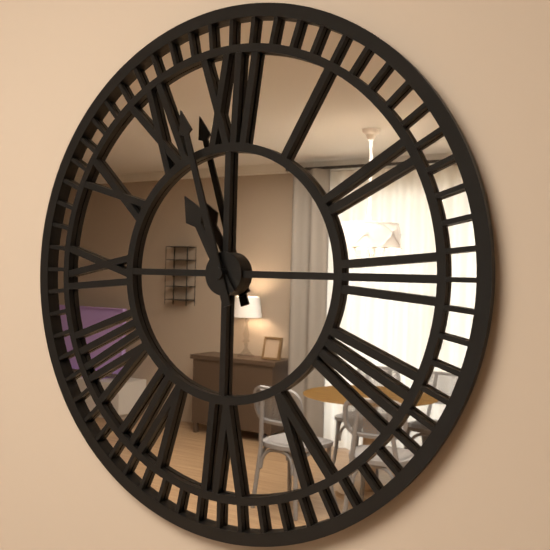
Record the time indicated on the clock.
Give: 10:57
